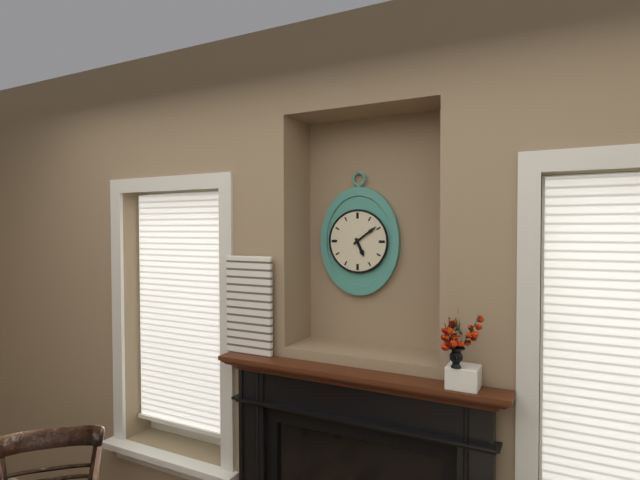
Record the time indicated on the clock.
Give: 5:09
